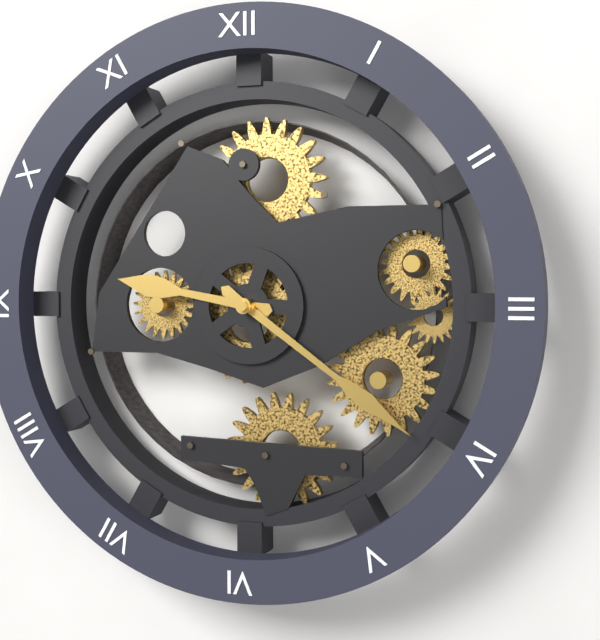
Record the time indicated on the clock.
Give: 9:21
